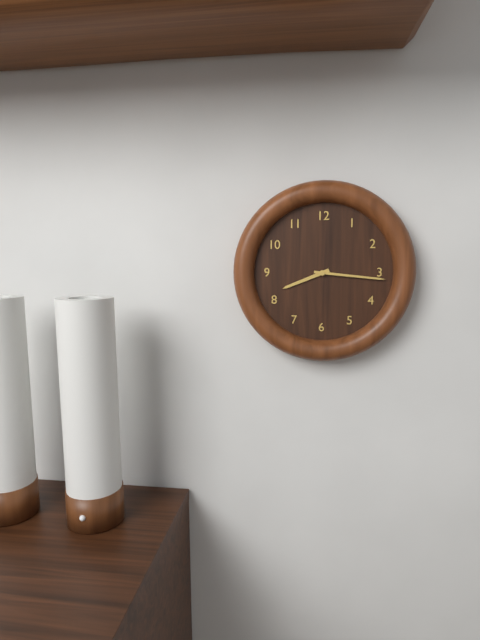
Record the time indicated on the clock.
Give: 8:16
